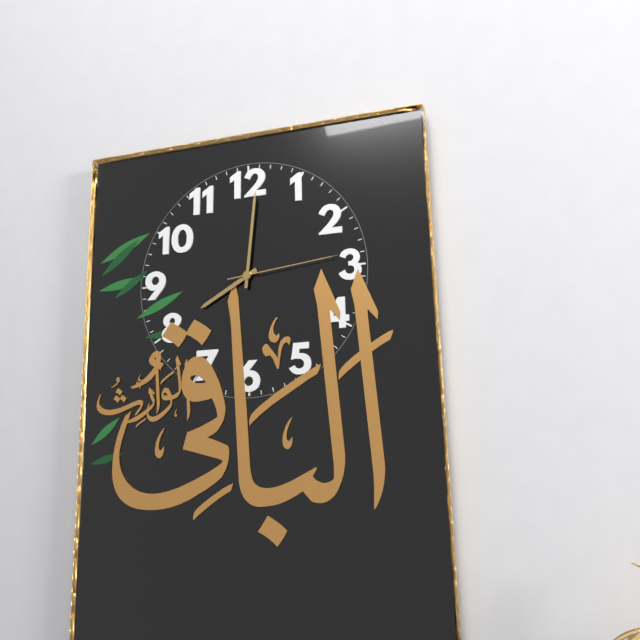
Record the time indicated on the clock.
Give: 8:01:14
